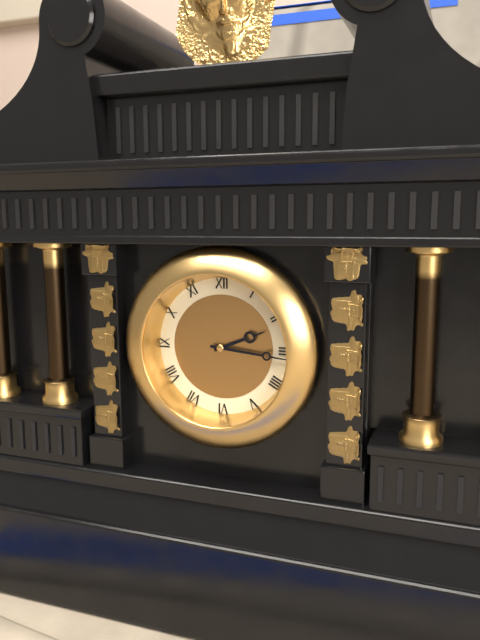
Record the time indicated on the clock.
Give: 2:16
